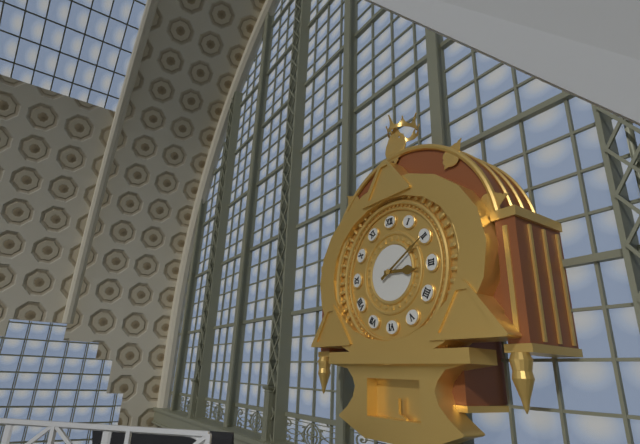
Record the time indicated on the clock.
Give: 3:10
